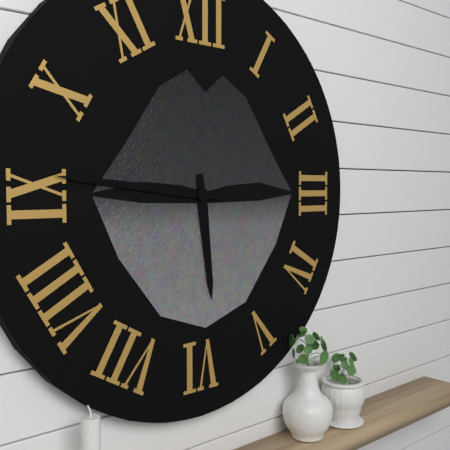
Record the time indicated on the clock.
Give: 5:46
